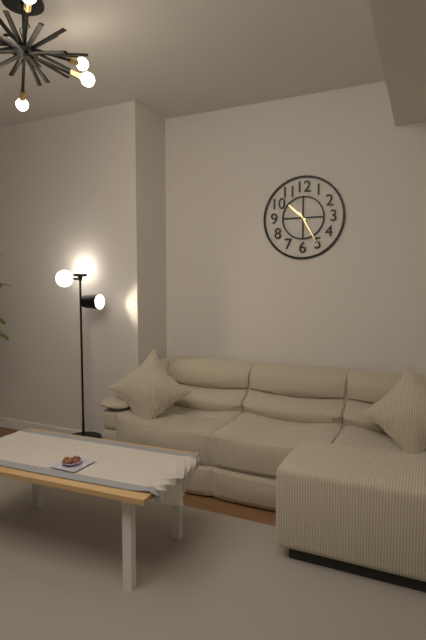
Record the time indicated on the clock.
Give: 10:25
